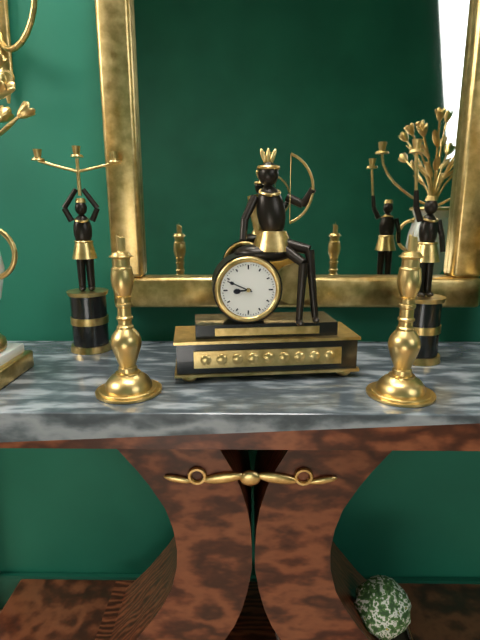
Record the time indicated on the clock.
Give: 8:49
